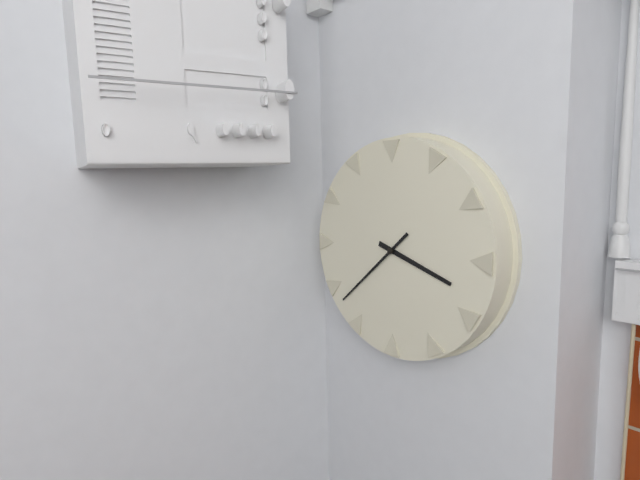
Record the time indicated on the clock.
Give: 3:38
